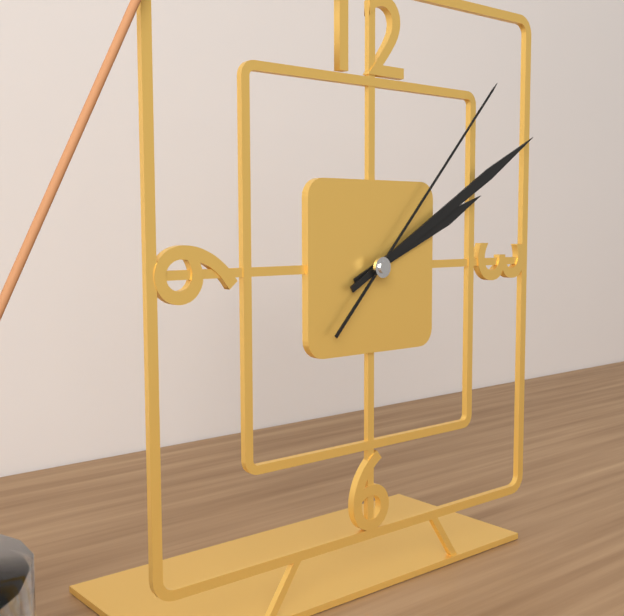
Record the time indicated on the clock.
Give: 2:10:07
